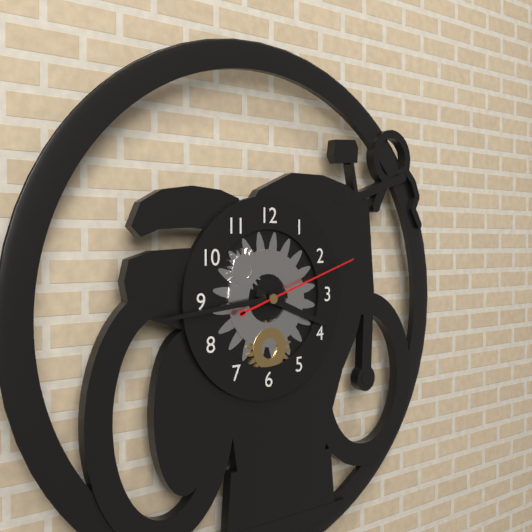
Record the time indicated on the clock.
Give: 3:44:12
